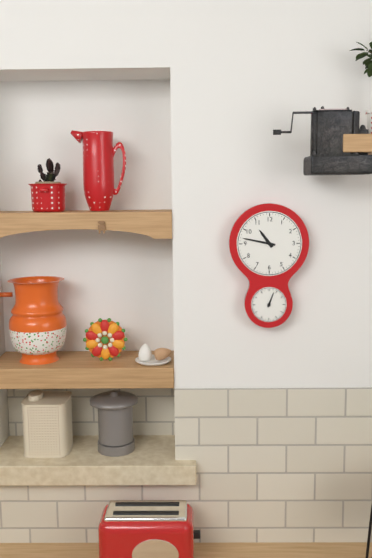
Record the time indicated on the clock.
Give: 10:47
